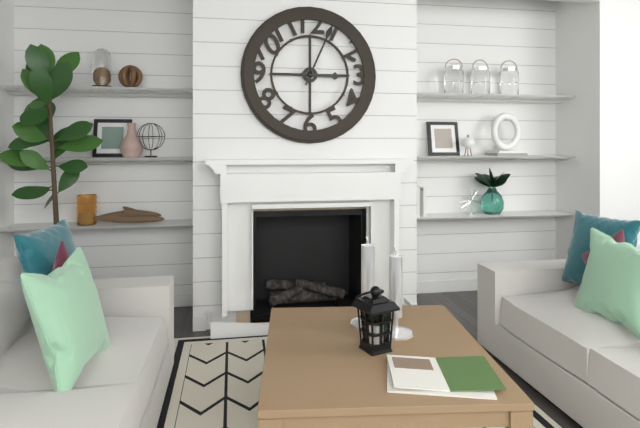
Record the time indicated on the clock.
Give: 3:04
